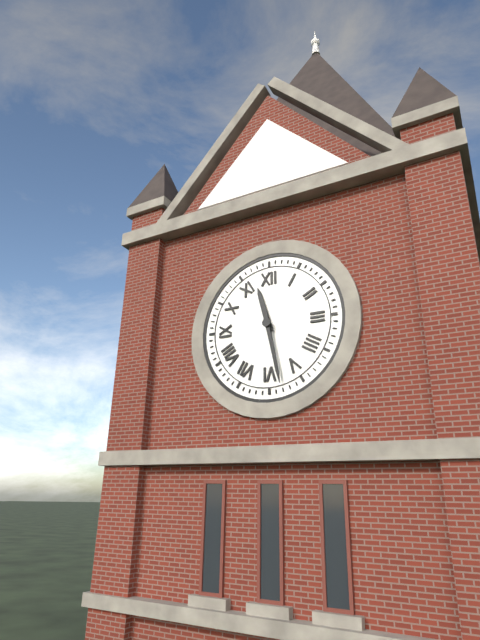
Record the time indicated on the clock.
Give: 11:28
